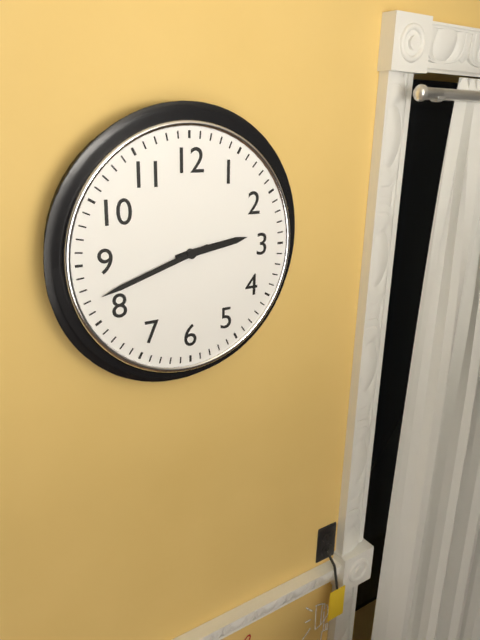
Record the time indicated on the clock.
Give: 2:42
